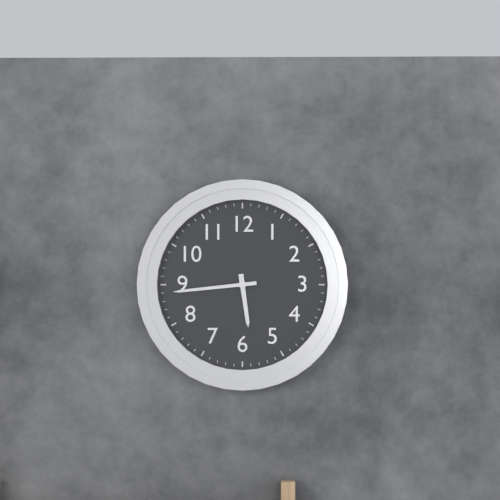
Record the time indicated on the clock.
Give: 5:44
